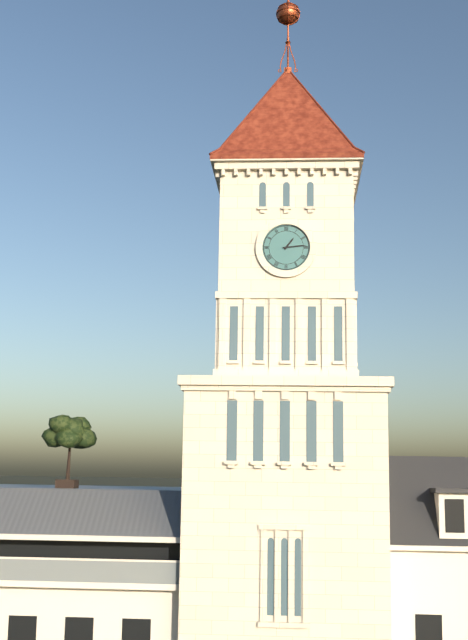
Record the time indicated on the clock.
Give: 1:14
